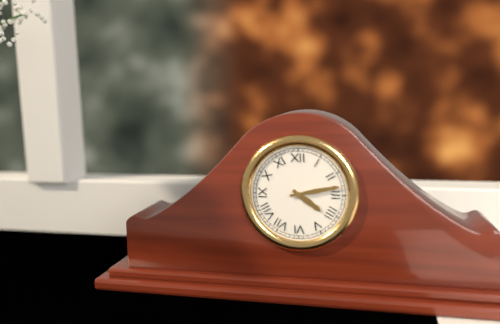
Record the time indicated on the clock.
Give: 4:13
